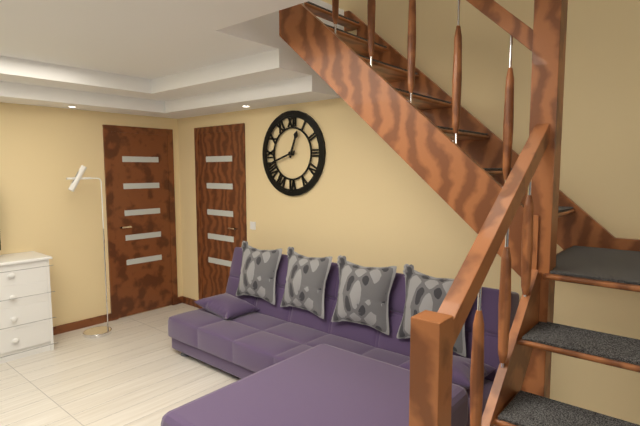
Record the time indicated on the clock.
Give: 12:42
